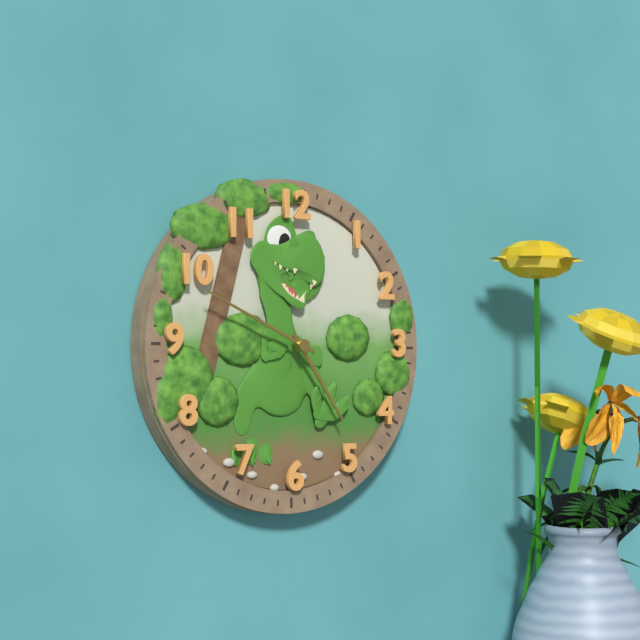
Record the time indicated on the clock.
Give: 4:49
